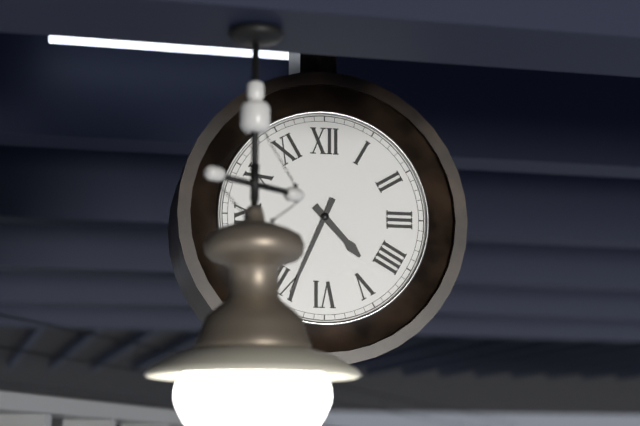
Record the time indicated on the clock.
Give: 4:34
